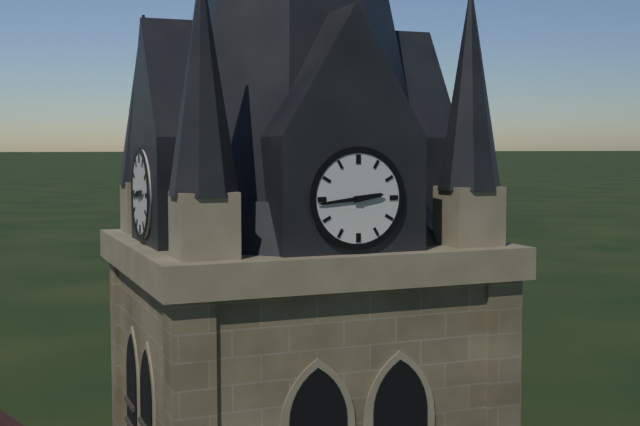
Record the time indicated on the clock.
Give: 2:44
